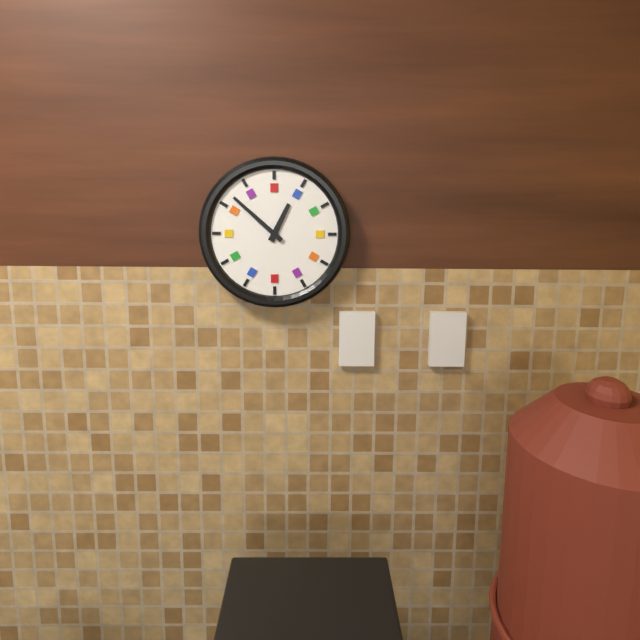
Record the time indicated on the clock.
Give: 12:52
